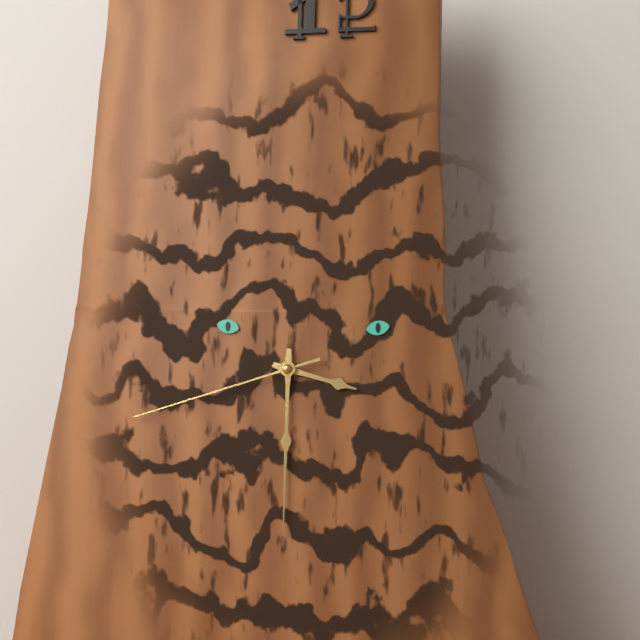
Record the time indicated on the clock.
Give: 3:30:42
